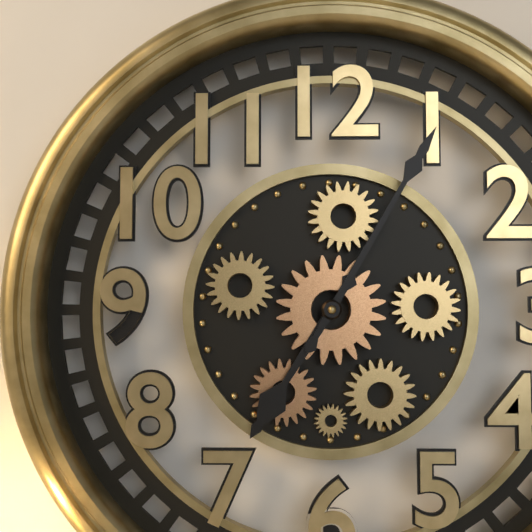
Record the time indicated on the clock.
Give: 7:05
